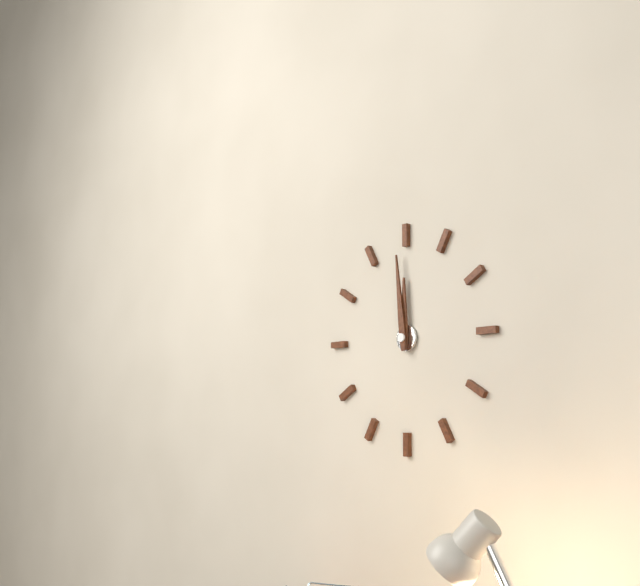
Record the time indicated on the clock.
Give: 11:59
